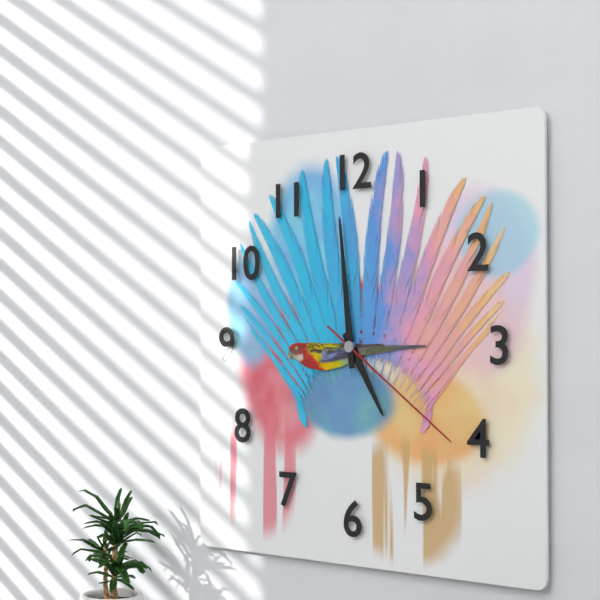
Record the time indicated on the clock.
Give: 4:59:21
